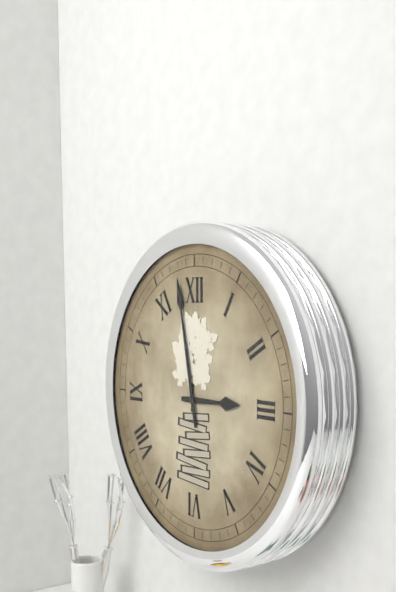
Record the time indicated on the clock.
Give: 2:58
